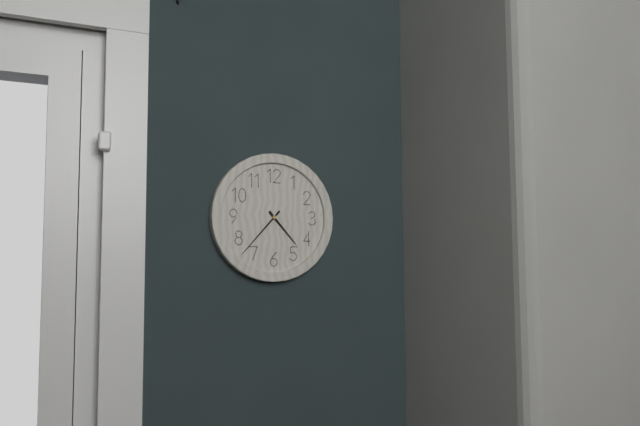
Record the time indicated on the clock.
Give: 4:37
